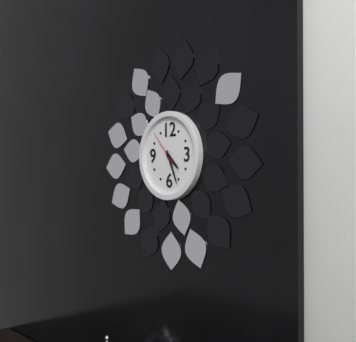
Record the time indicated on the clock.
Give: 4:26
